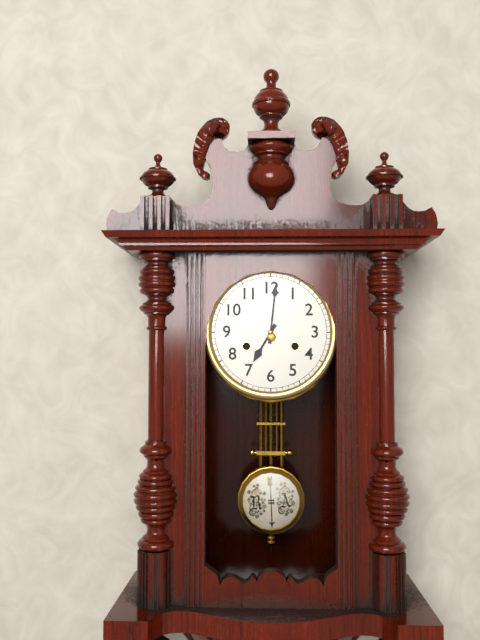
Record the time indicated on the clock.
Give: 7:01
